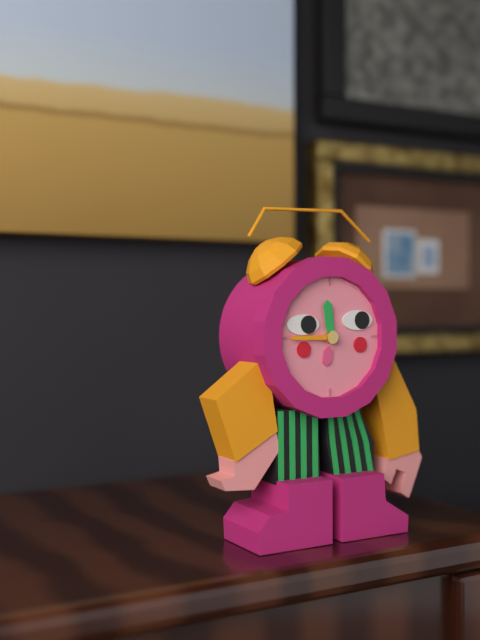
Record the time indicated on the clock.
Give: 11:45
